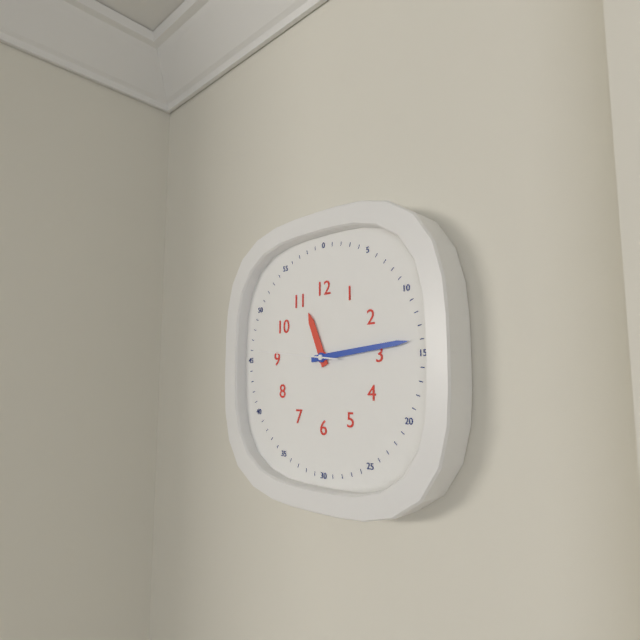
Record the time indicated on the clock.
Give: 11:14:46
